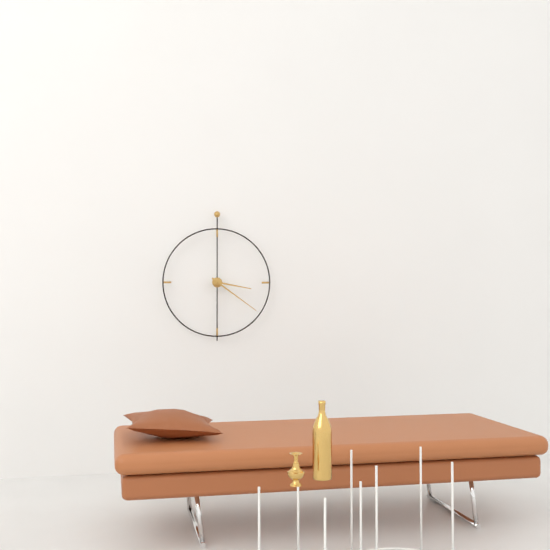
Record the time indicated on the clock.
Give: 3:21
